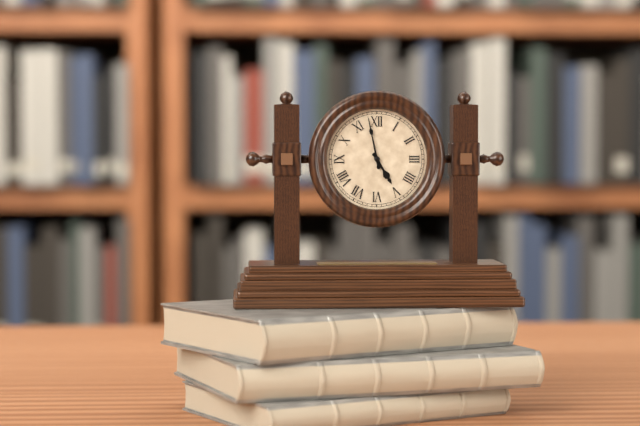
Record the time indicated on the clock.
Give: 4:58
